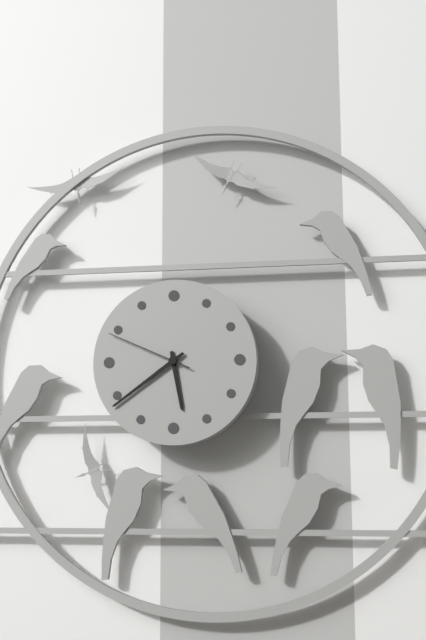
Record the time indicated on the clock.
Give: 5:39:49
